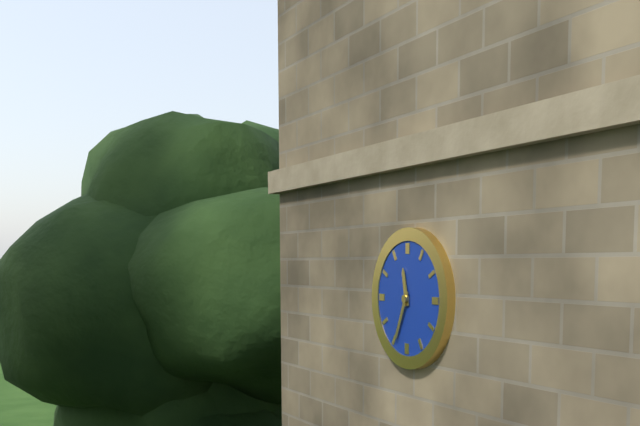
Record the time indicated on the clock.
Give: 11:34
